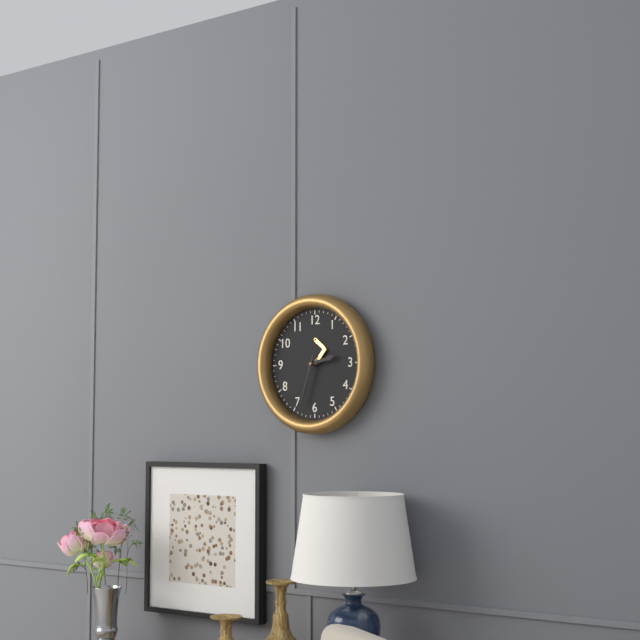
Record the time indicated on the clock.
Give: 2:33
